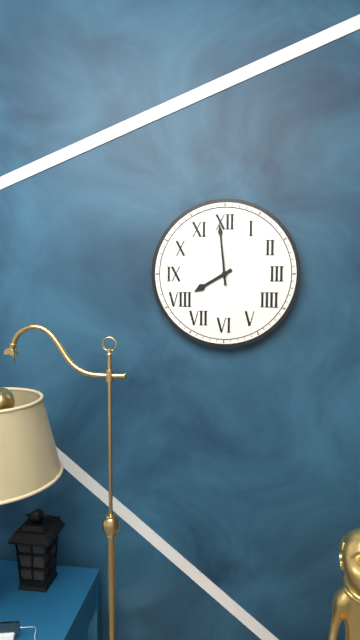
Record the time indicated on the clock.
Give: 7:59
